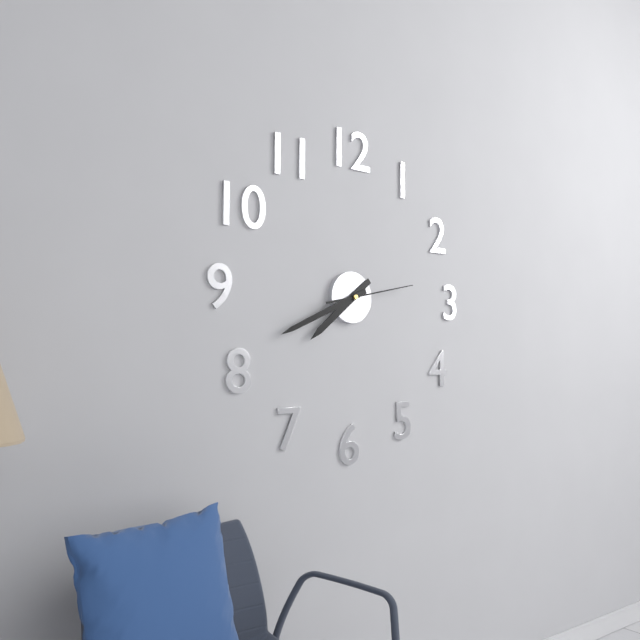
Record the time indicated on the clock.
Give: 7:41:13
